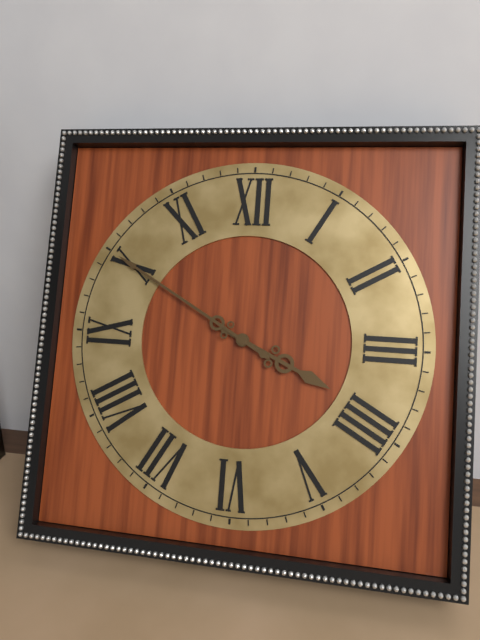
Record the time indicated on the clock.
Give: 3:50
